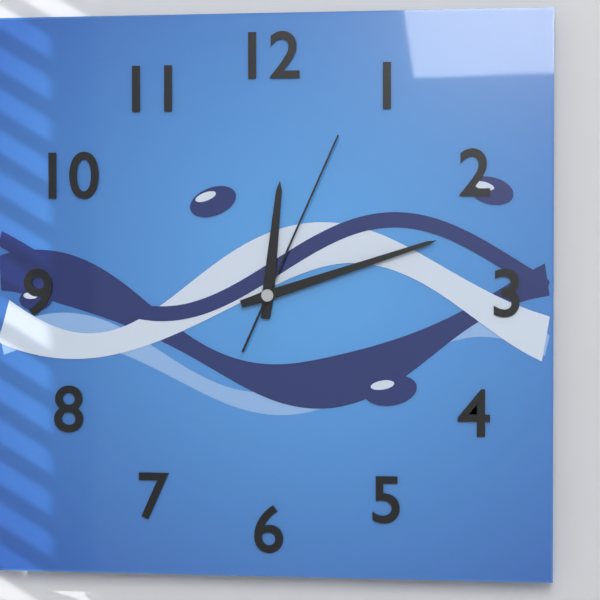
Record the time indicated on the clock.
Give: 12:12:04
